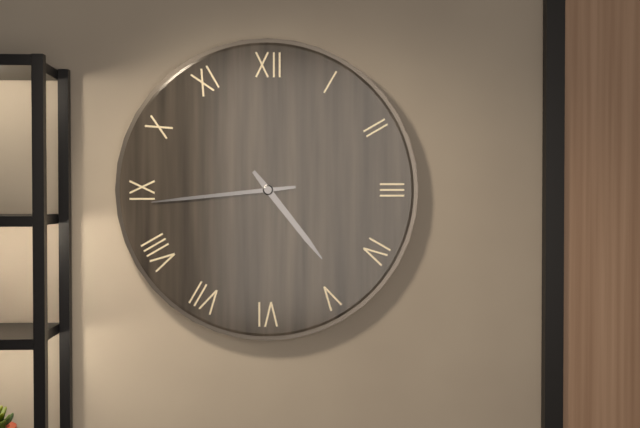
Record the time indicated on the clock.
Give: 4:44
